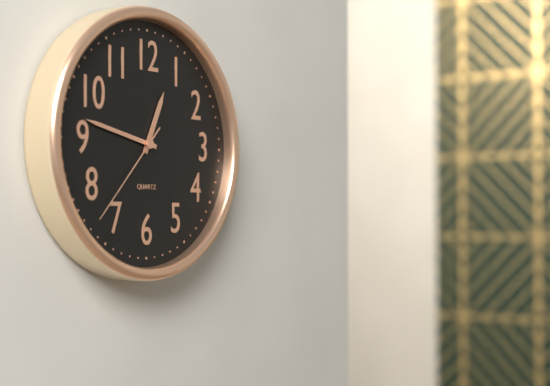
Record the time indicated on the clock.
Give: 12:47:37
